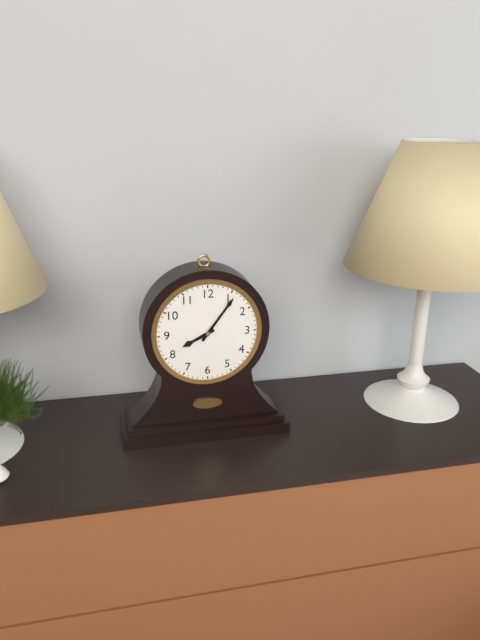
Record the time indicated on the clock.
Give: 8:06
